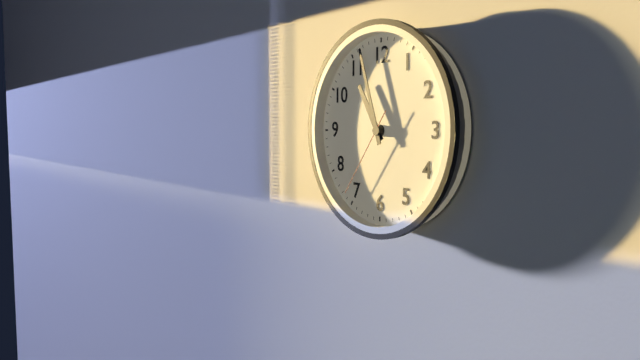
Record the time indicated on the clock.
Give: 10:57:36
